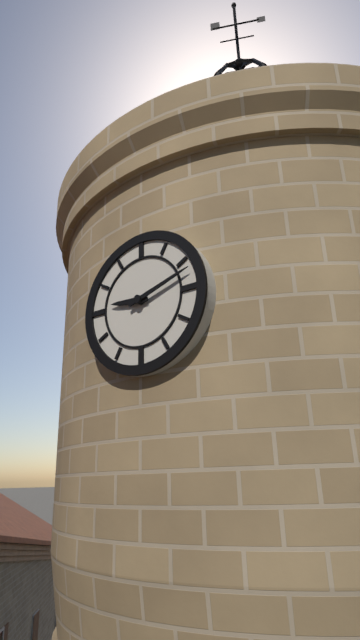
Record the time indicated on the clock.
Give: 9:12
